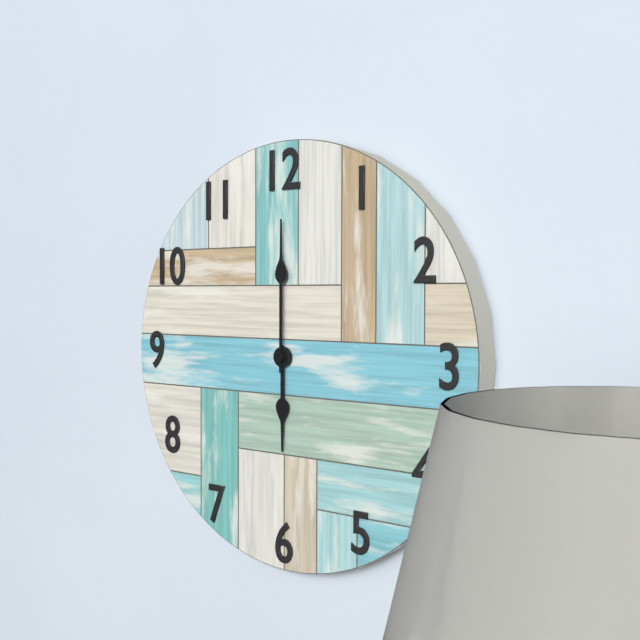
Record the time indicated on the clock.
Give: 6:00
